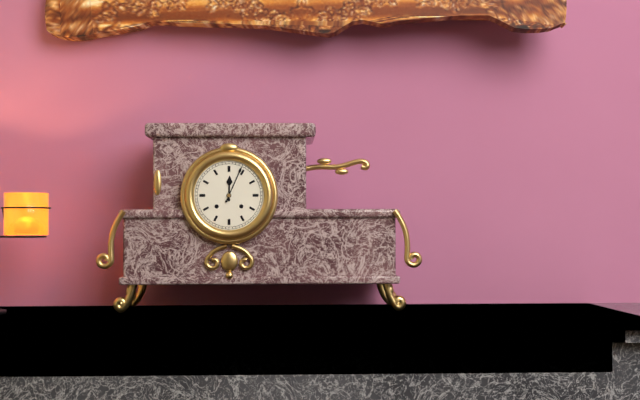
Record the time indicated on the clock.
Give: 12:04
